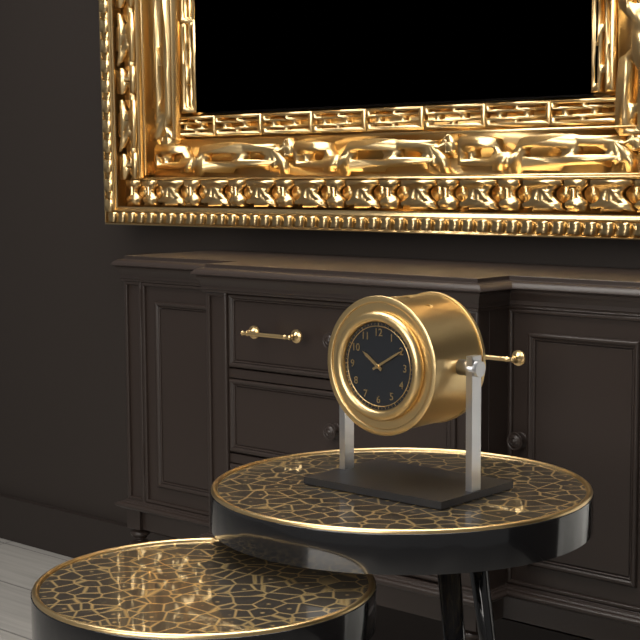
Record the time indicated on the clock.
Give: 10:10
